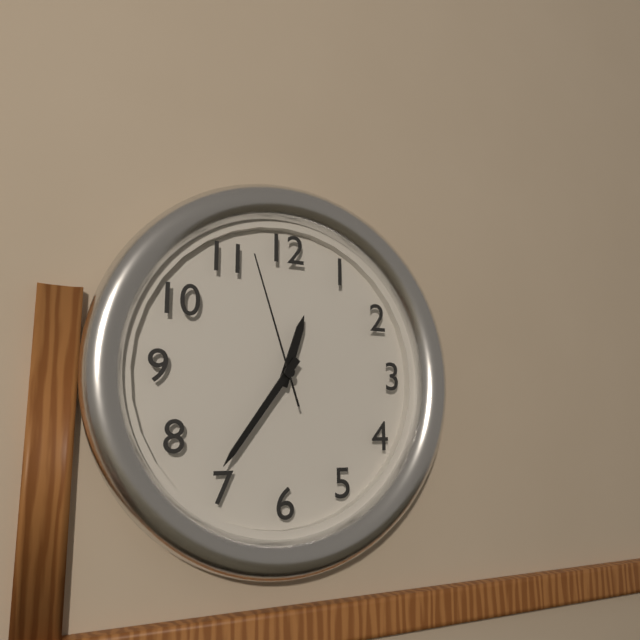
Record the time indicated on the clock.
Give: 12:36:57
